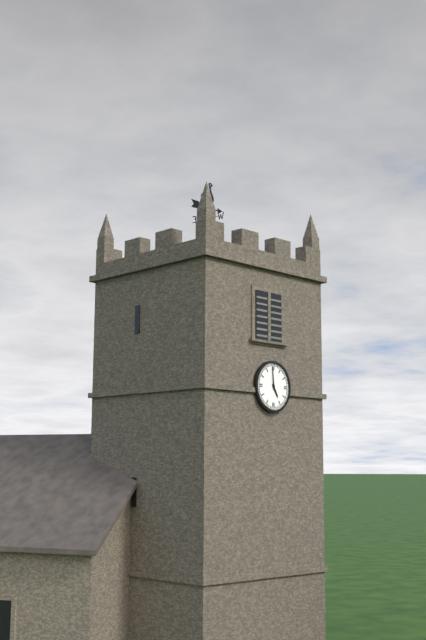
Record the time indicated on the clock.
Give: 4:59
